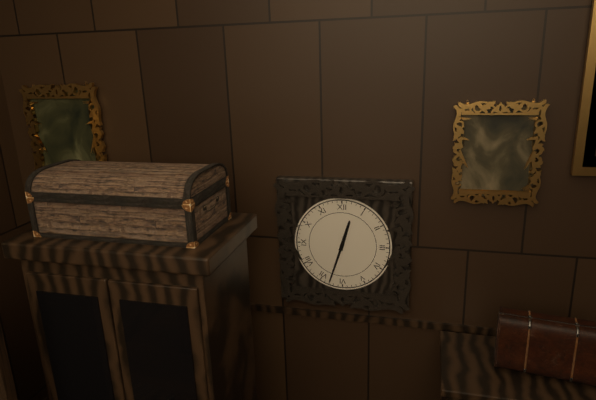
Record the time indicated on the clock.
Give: 12:33
